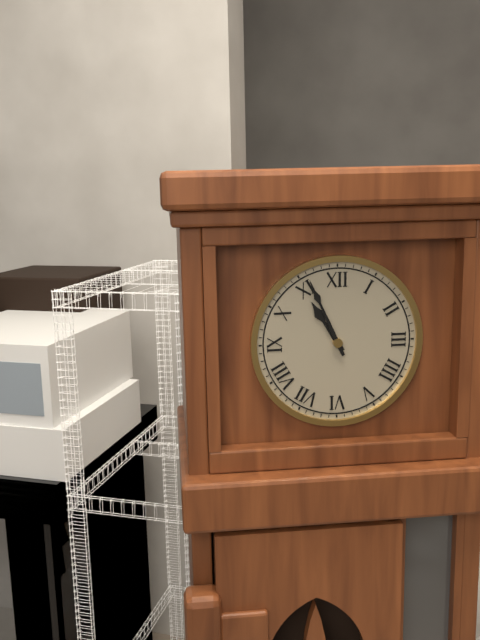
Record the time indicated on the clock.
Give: 10:56
